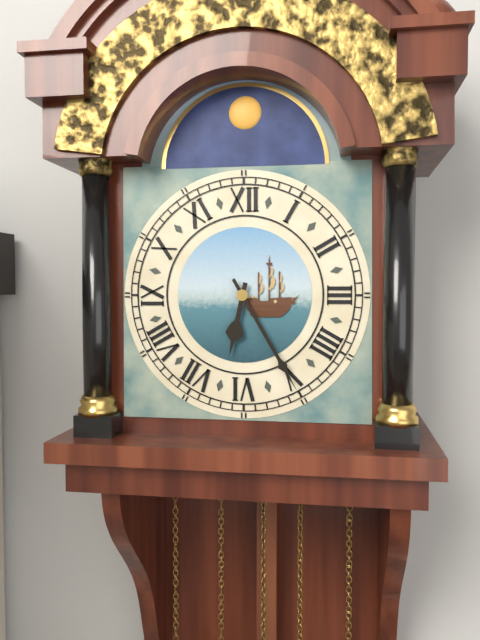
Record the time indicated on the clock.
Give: 6:25
